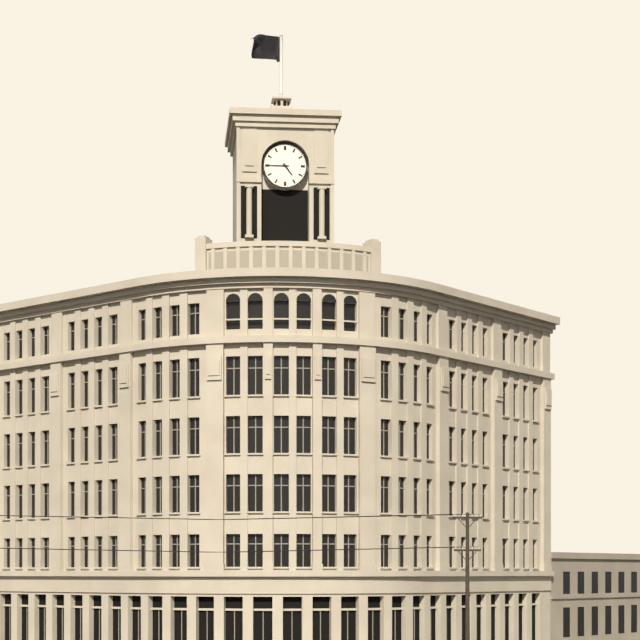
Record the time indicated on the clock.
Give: 4:45
